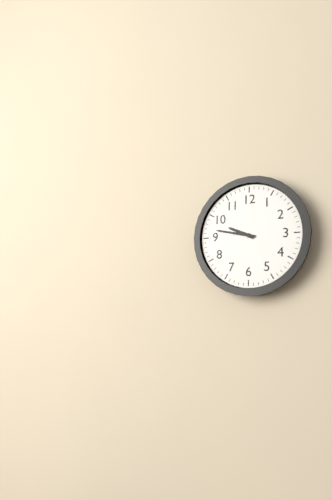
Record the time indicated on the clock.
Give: 9:47
